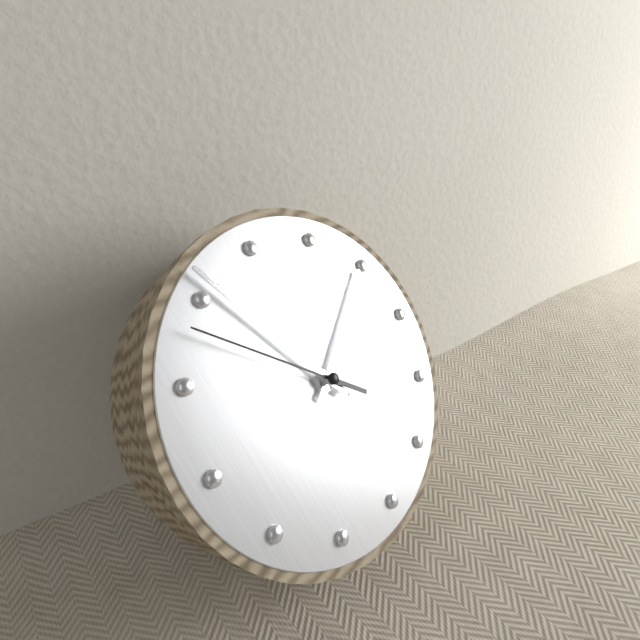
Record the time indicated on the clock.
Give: 1:56:53
